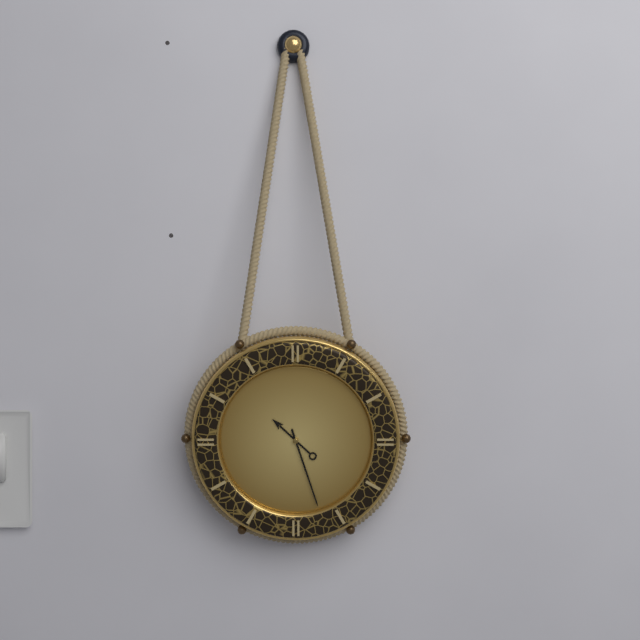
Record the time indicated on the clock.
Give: 10:27
